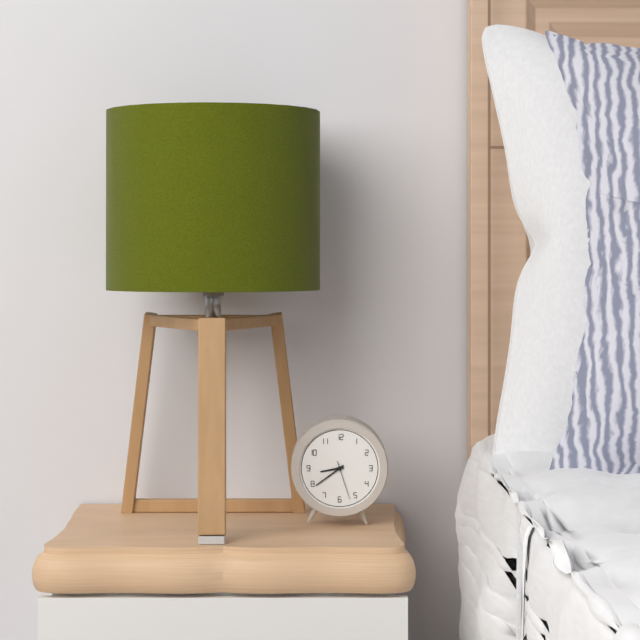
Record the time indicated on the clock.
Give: 8:39
